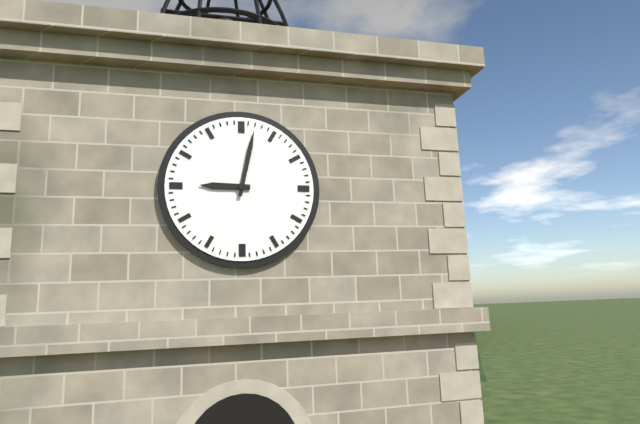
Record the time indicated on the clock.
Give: 9:02
